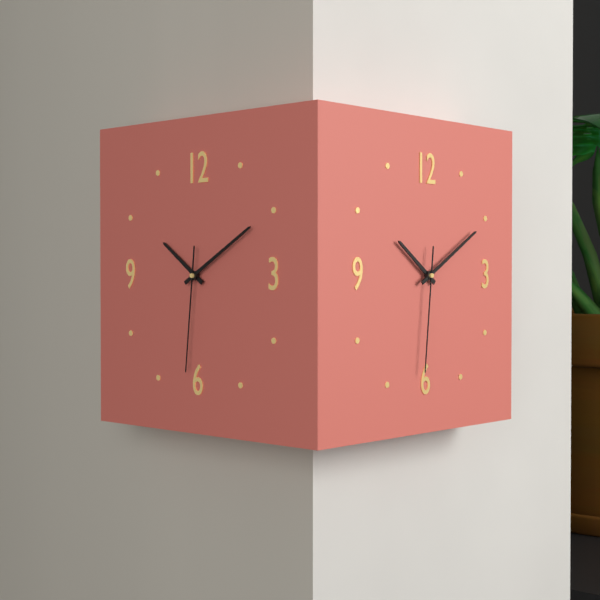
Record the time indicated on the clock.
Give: 10:10:31
